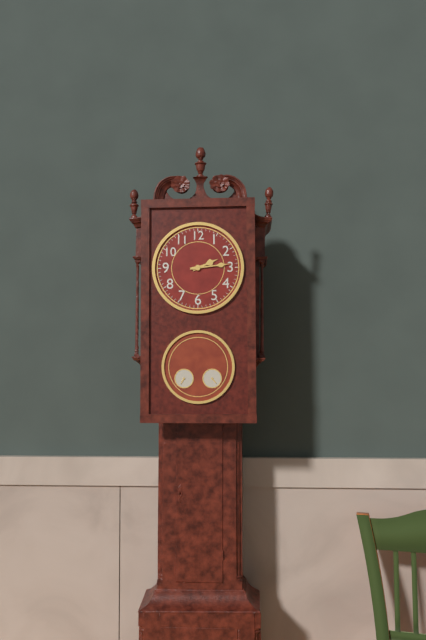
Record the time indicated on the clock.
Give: 2:14
